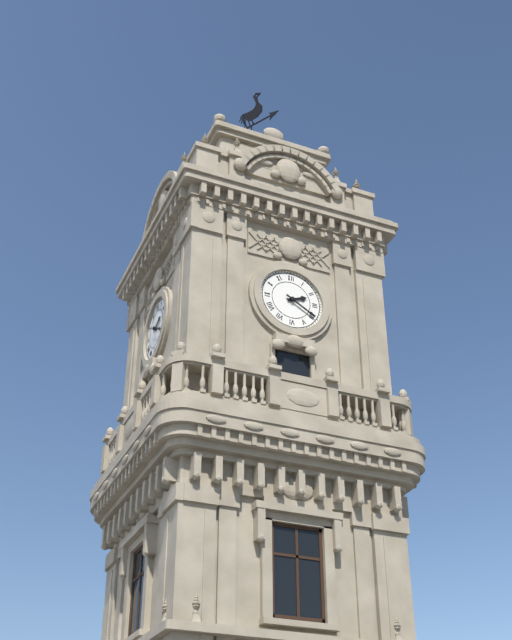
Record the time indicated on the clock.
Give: 2:20
